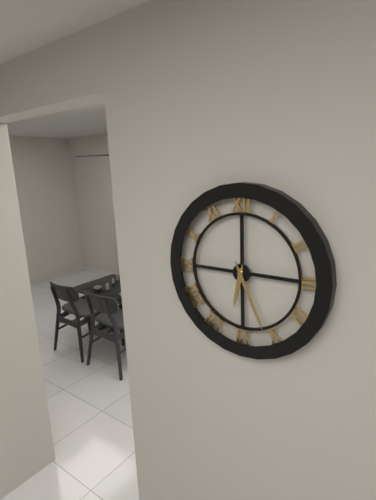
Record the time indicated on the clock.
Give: 6:26
